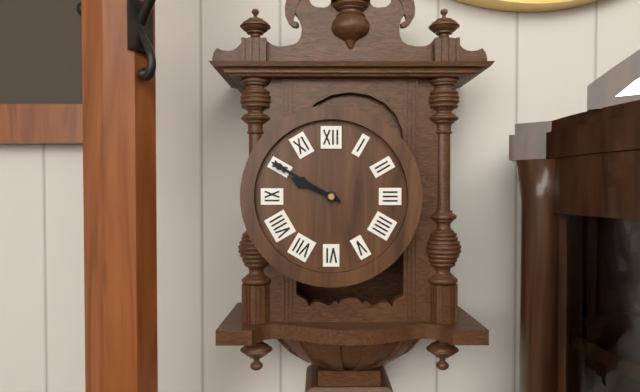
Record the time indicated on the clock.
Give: 9:50
